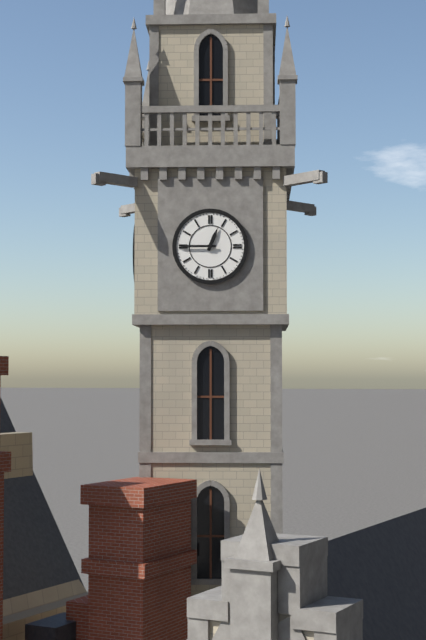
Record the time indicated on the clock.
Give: 12:45
